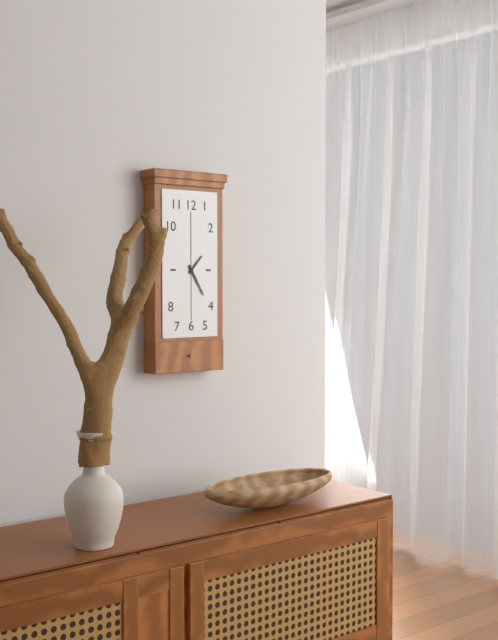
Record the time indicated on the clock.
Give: 1:25
